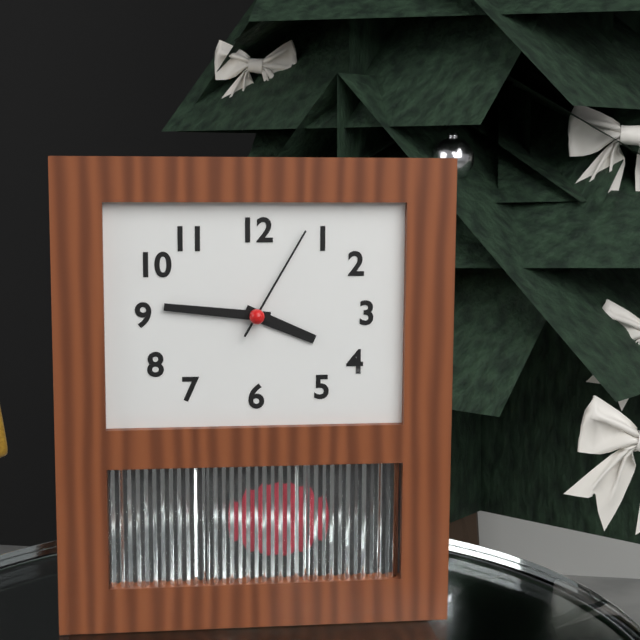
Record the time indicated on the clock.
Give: 3:46:05
